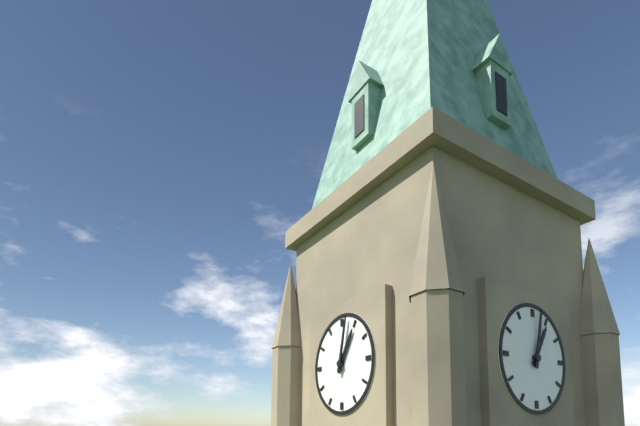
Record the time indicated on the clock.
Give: 1:02
